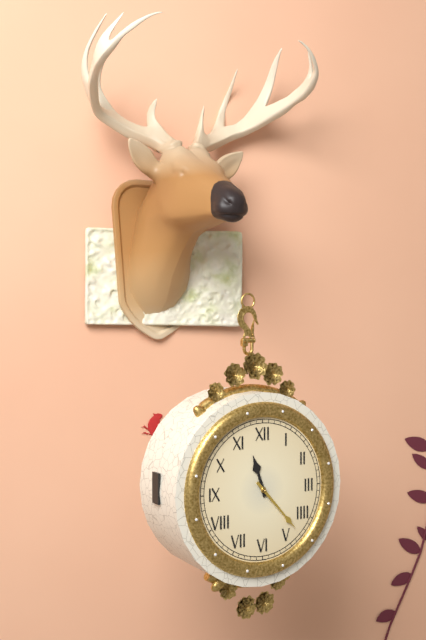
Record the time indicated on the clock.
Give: 11:23
